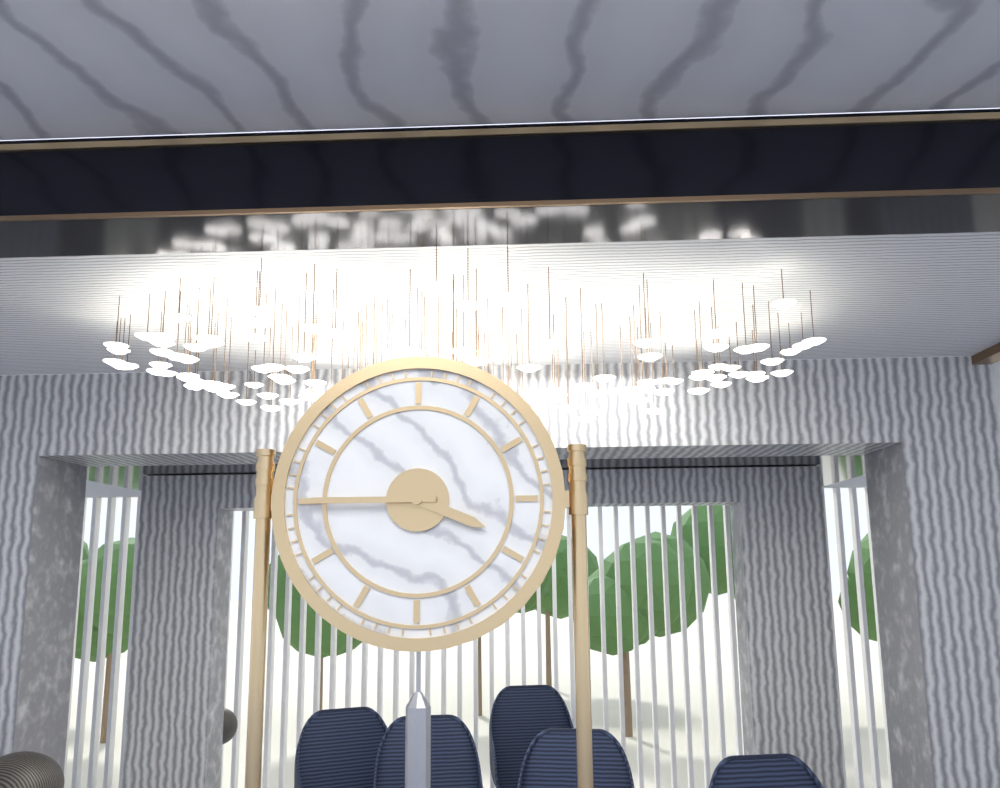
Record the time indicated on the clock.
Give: 3:45
